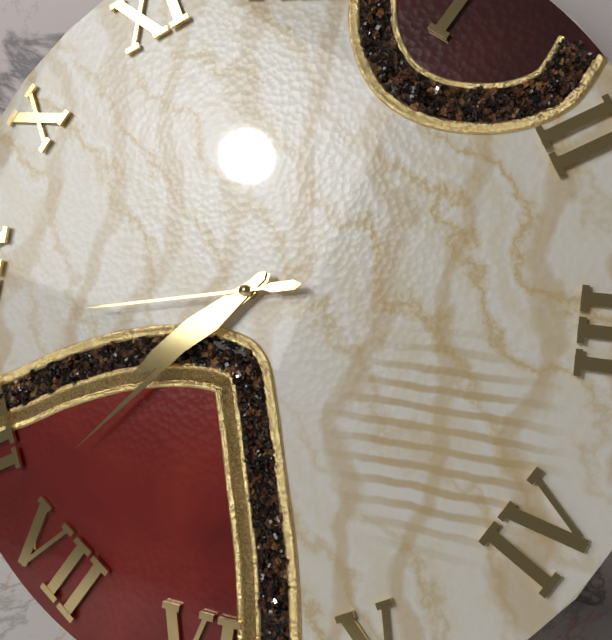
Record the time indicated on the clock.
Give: 7:37:43
